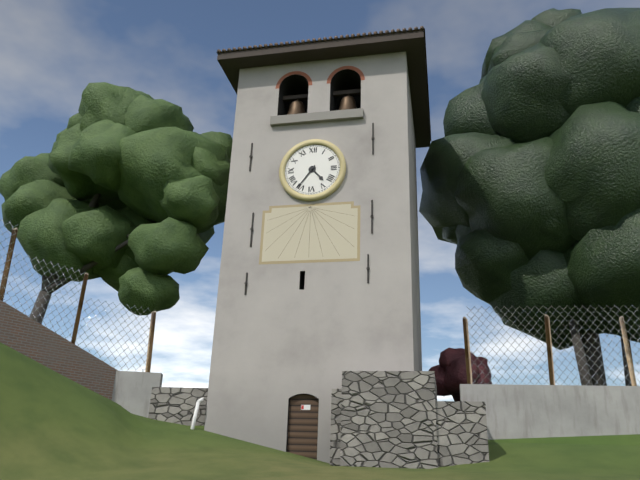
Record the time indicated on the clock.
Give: 4:36
